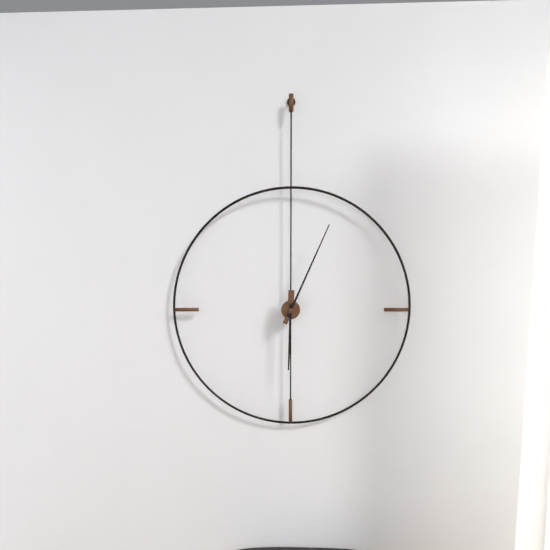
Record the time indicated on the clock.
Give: 6:04
